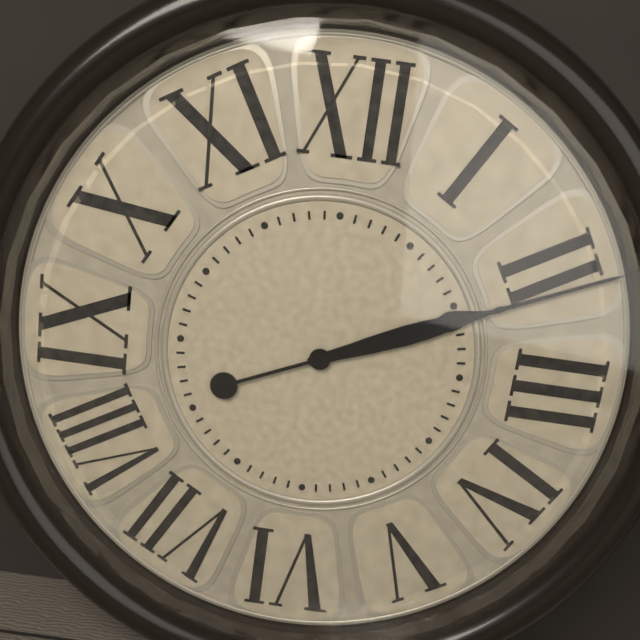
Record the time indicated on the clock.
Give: 2:11
